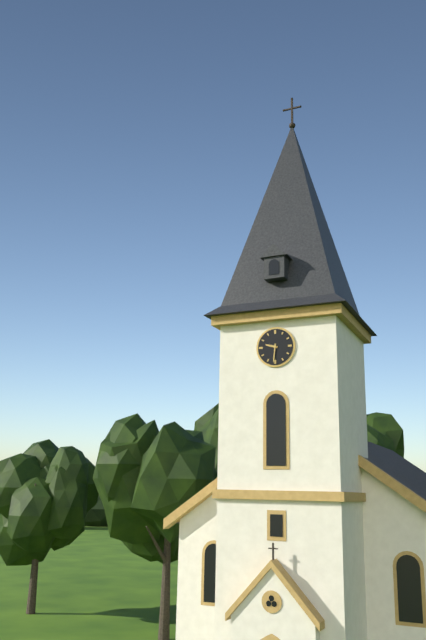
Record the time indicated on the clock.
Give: 9:31
